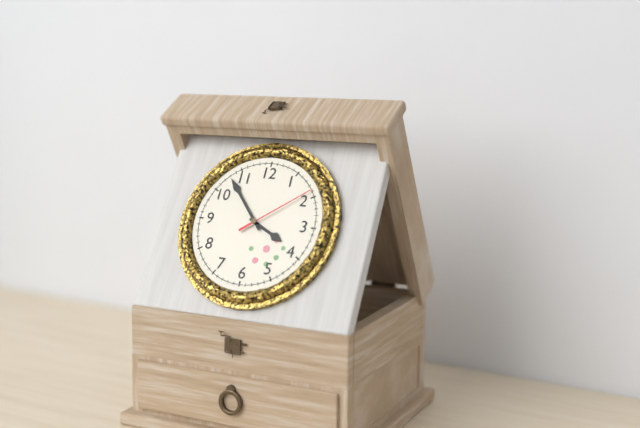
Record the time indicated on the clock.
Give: 3:53:09
